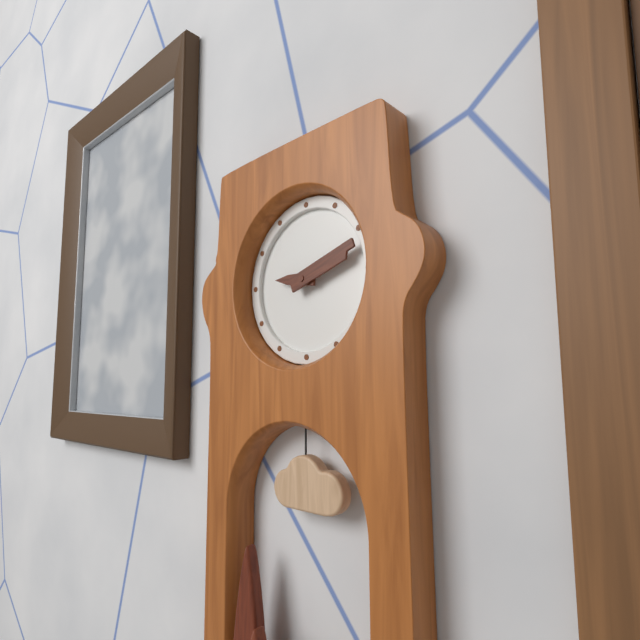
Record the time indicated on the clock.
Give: 9:12
